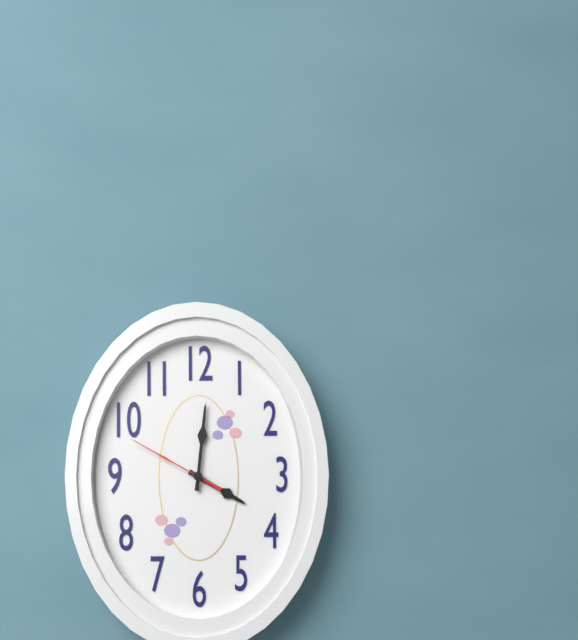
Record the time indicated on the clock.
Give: 4:01:50
